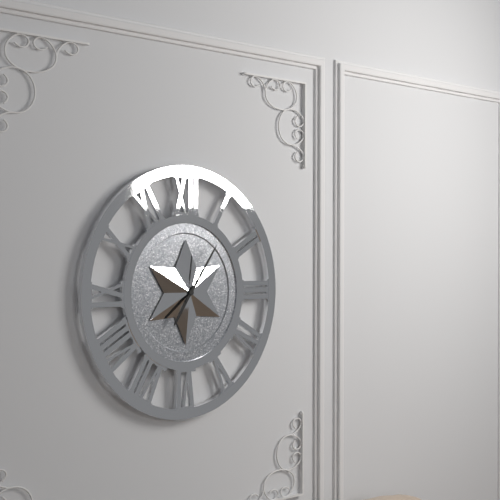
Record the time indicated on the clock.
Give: 7:06
